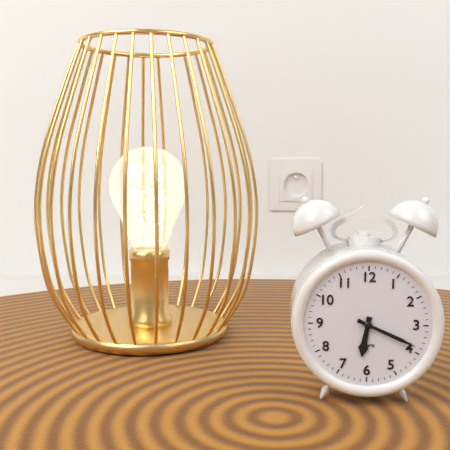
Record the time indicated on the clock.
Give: 6:19
